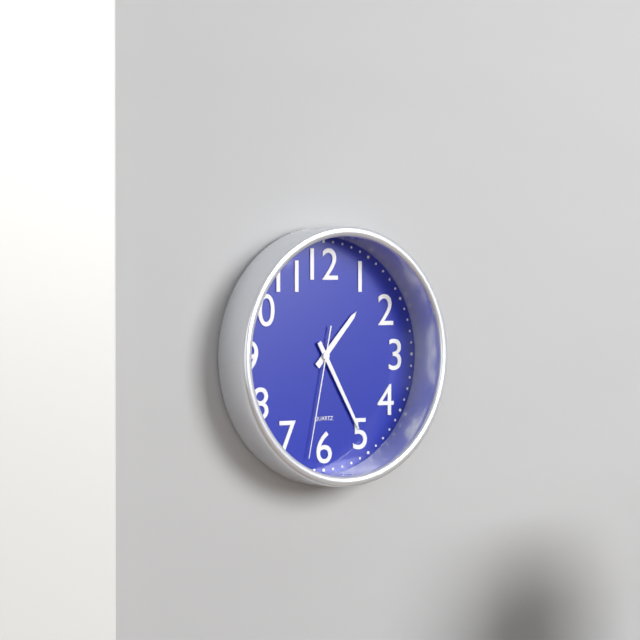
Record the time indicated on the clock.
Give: 1:25:32
